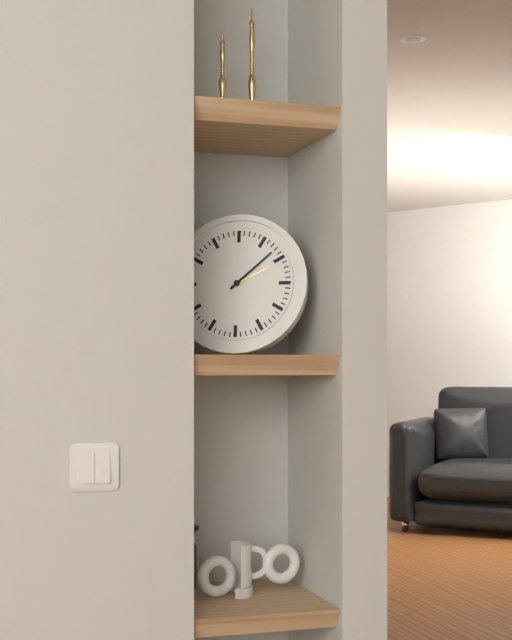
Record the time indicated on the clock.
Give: 2:08
